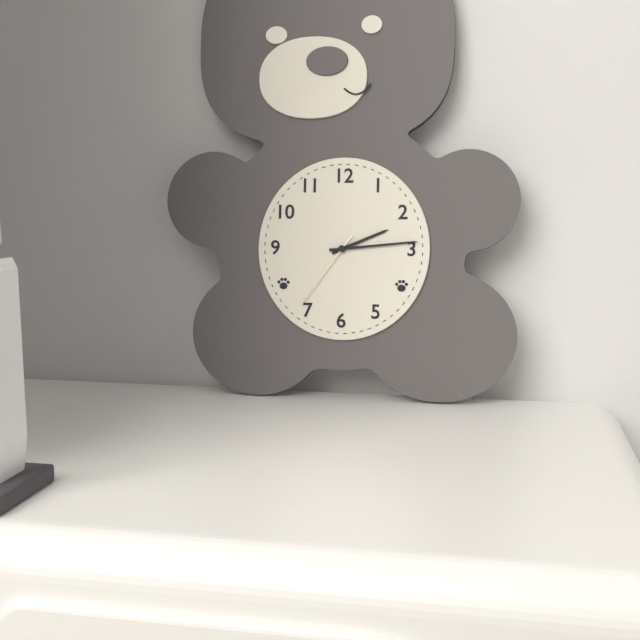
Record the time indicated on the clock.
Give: 2:14:36
